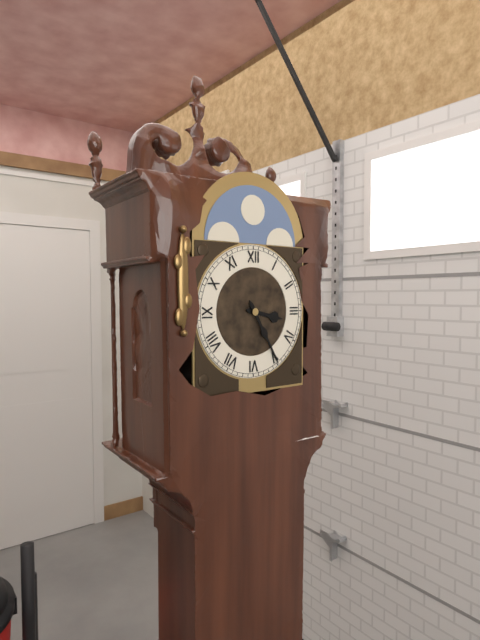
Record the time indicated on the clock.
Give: 3:25
